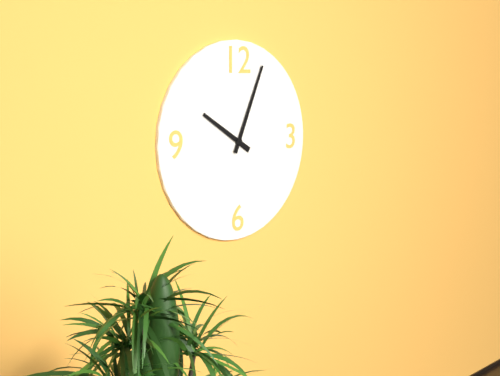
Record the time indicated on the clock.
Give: 10:04
